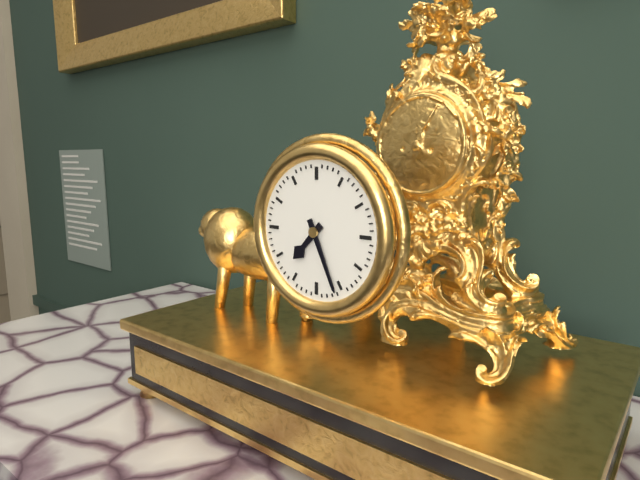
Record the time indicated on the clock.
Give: 7:26
